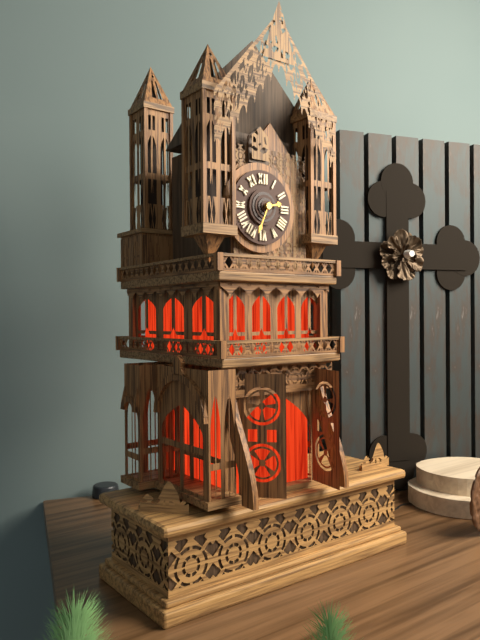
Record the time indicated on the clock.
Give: 2:34
